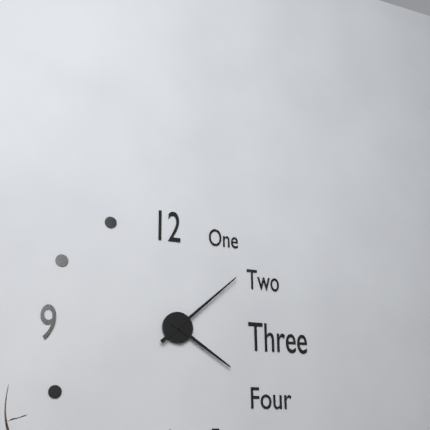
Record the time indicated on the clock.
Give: 4:08
